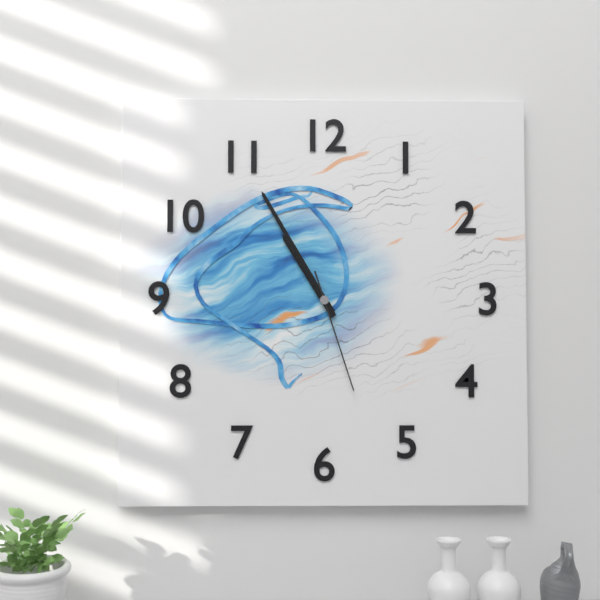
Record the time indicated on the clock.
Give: 10:55:27
